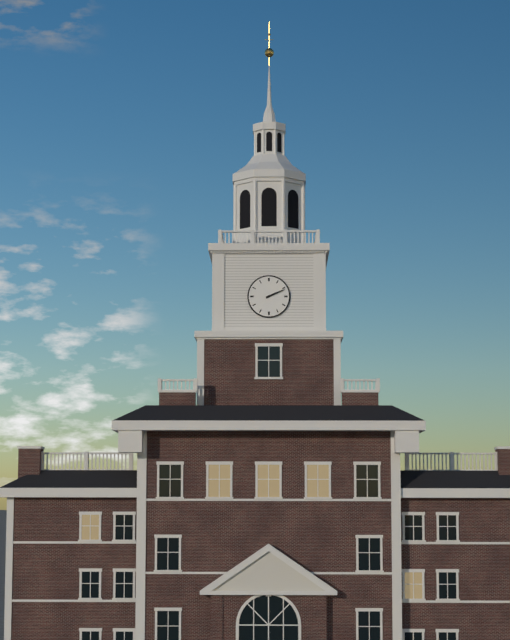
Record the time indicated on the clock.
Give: 2:11
